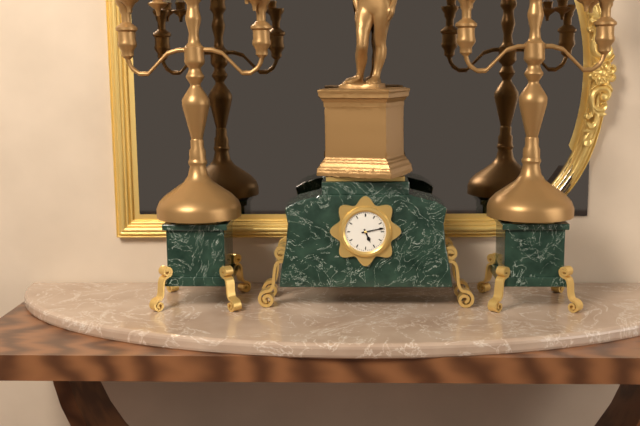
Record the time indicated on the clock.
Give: 5:13
